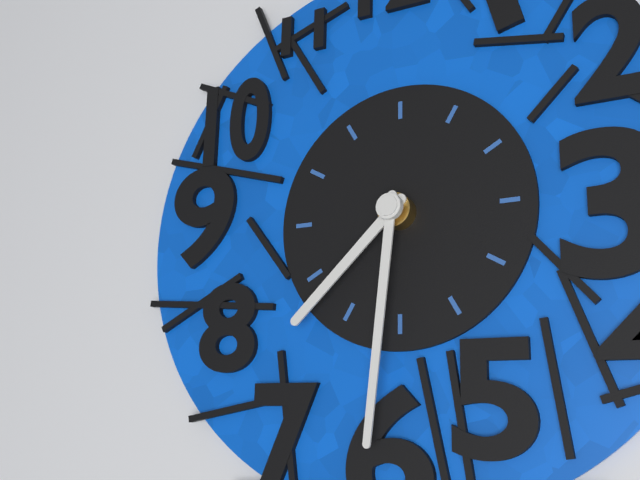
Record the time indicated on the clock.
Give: 7:31
